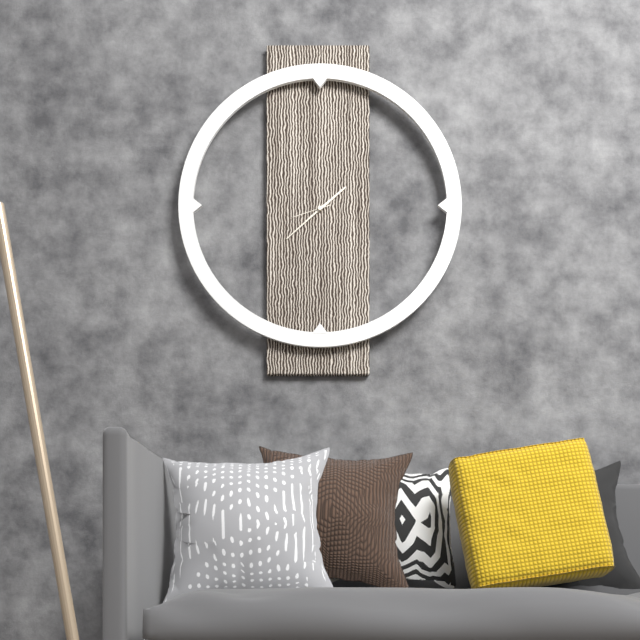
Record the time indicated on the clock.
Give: 1:38
